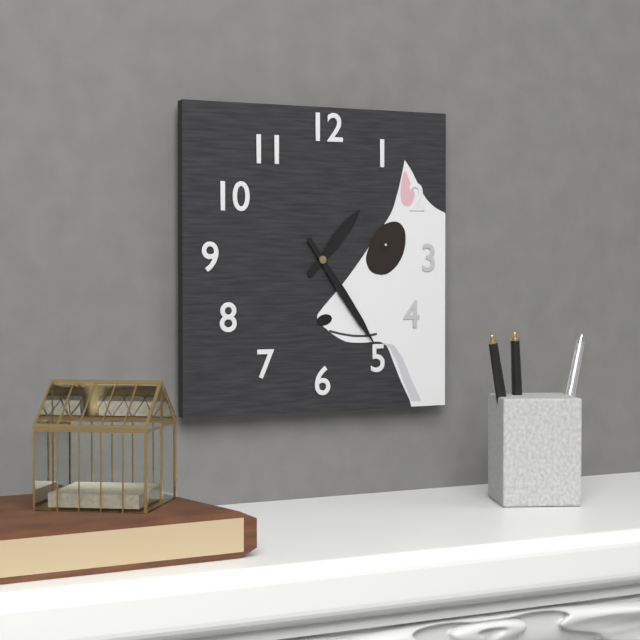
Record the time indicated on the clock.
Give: 1:24
